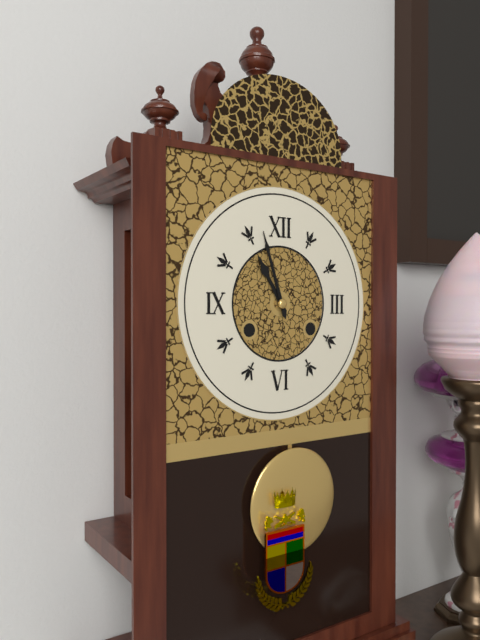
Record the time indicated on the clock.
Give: 10:57
